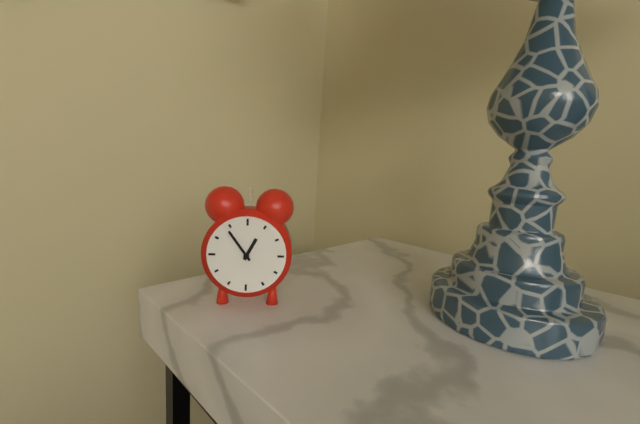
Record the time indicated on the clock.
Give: 12:54
